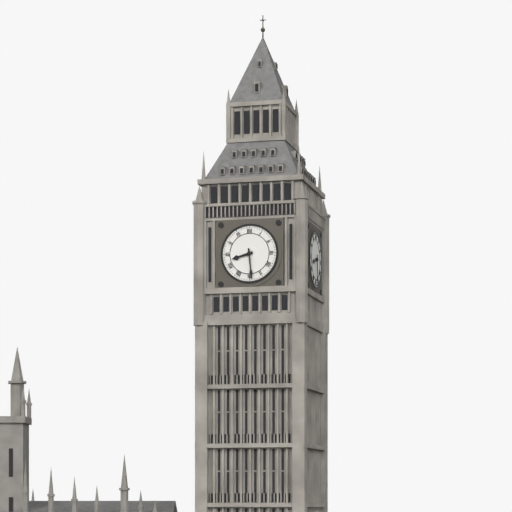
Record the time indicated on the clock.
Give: 8:29
